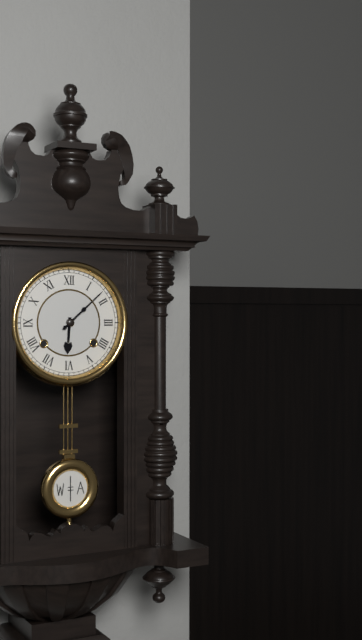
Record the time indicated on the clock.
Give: 6:08
